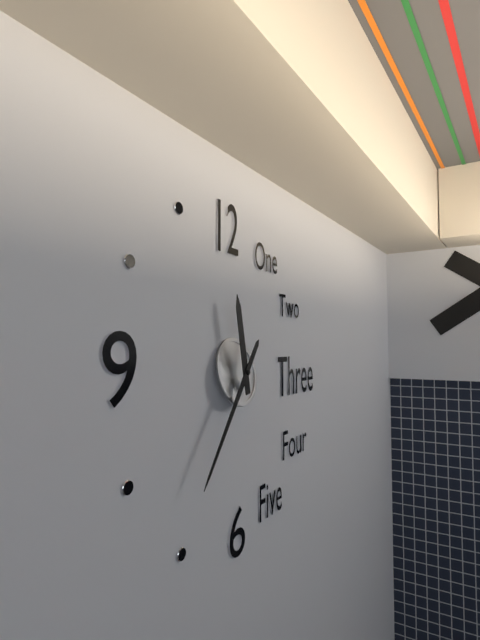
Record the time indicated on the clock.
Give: 11:36
